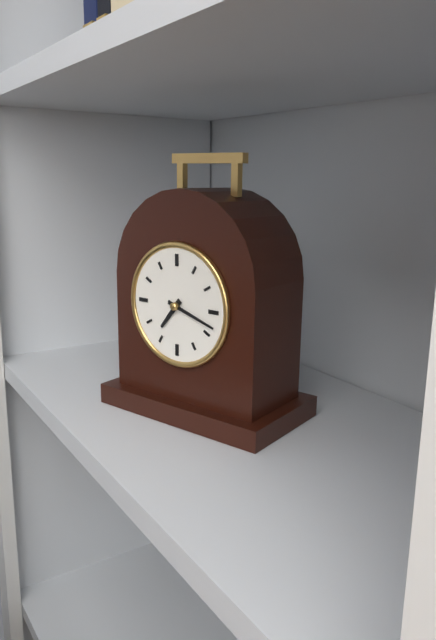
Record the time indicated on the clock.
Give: 7:18
